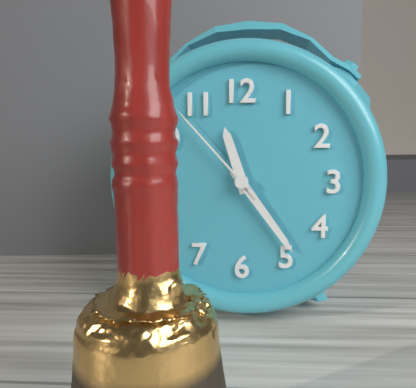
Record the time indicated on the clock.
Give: 11:24:53
